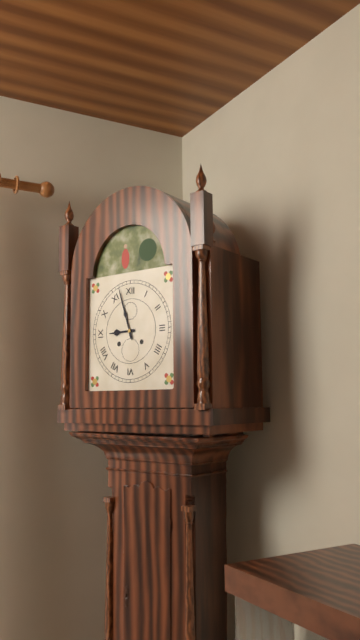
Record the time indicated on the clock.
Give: 8:57
